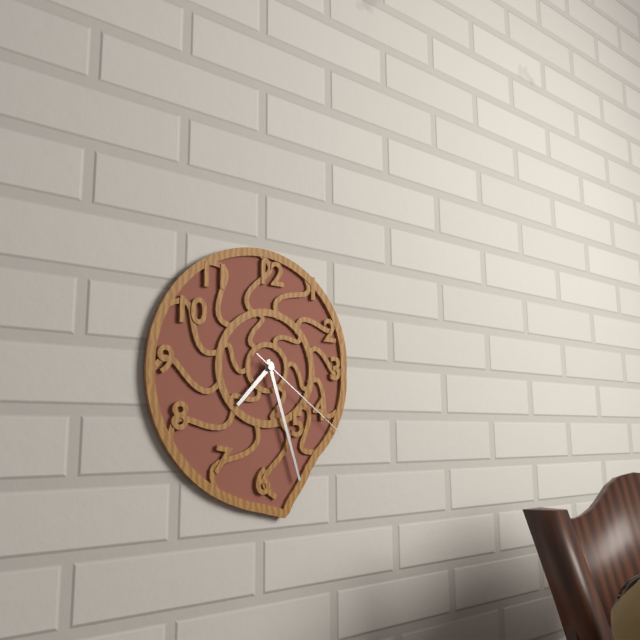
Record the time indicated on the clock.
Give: 7:27:21
